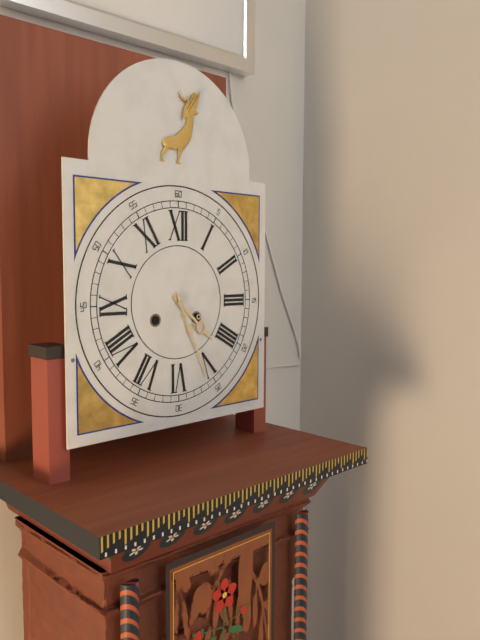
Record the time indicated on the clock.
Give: 4:26
